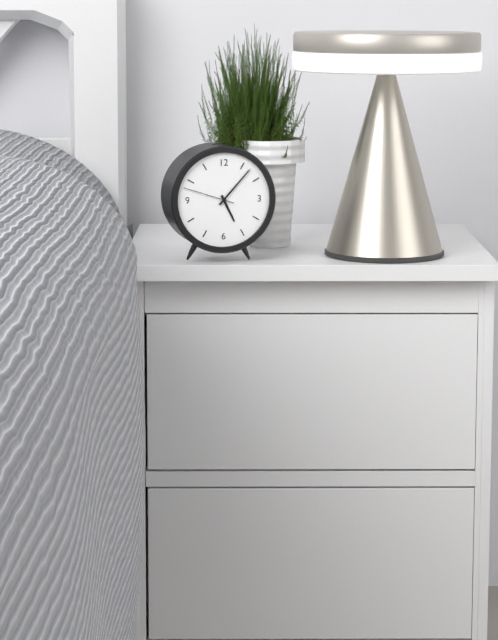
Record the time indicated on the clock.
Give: 5:07:48
